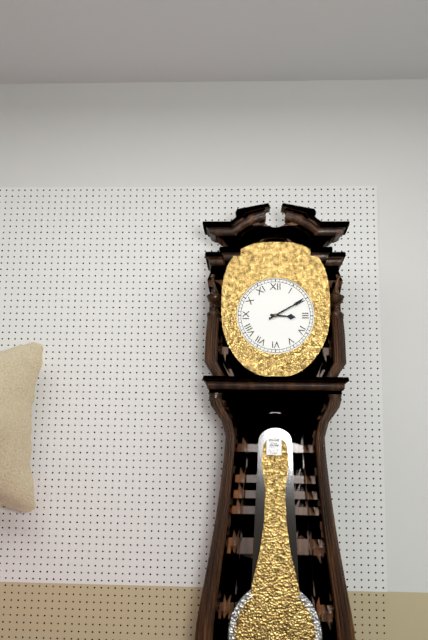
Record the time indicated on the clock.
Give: 3:10
